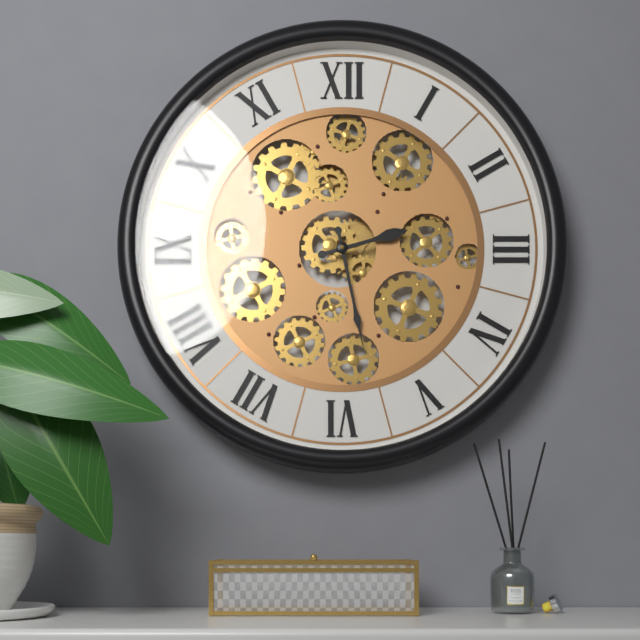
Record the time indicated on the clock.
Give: 2:28
